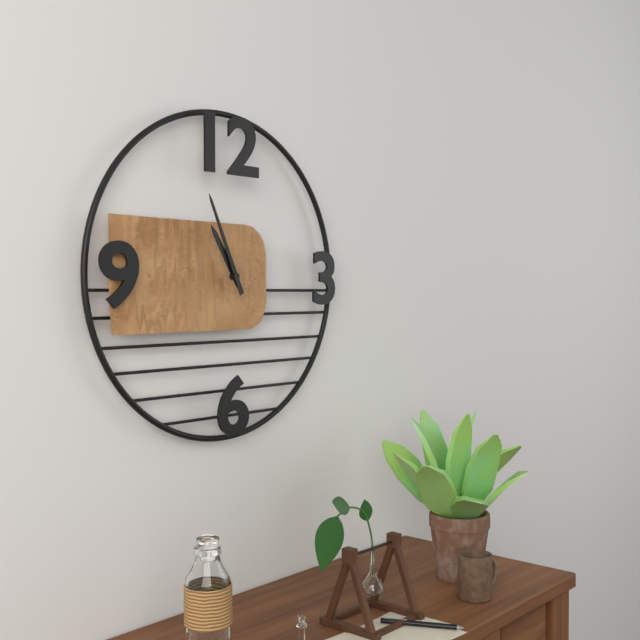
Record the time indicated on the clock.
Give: 10:56
